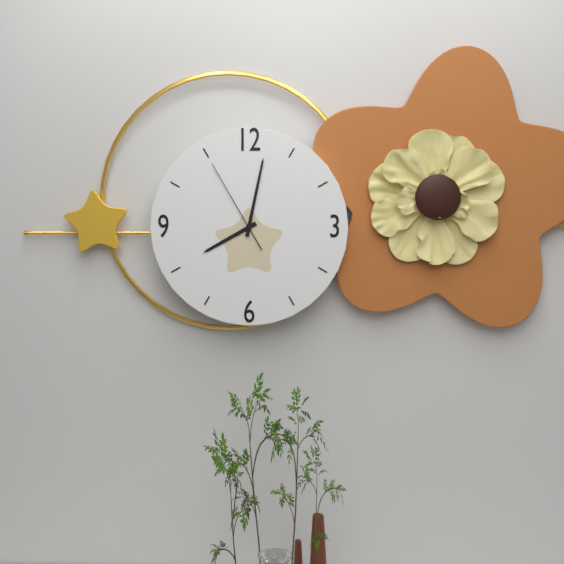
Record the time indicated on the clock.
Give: 8:02:55
